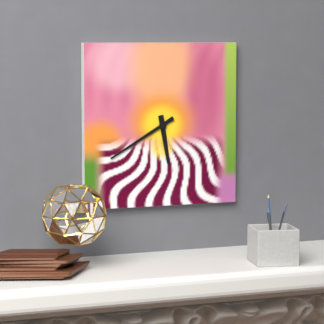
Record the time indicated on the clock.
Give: 5:40
